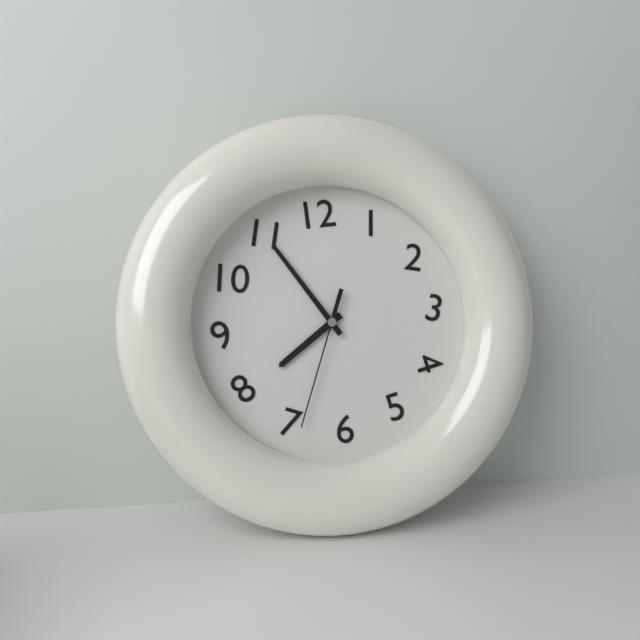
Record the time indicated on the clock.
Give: 7:55:34
